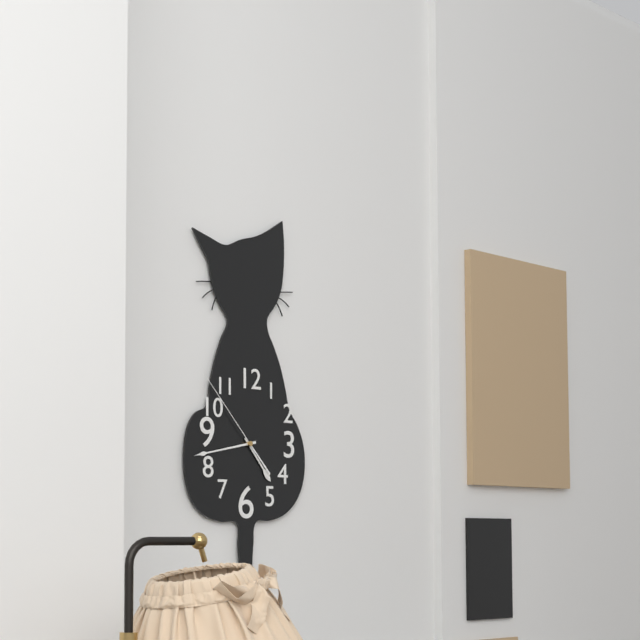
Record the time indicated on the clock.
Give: 4:43:53
